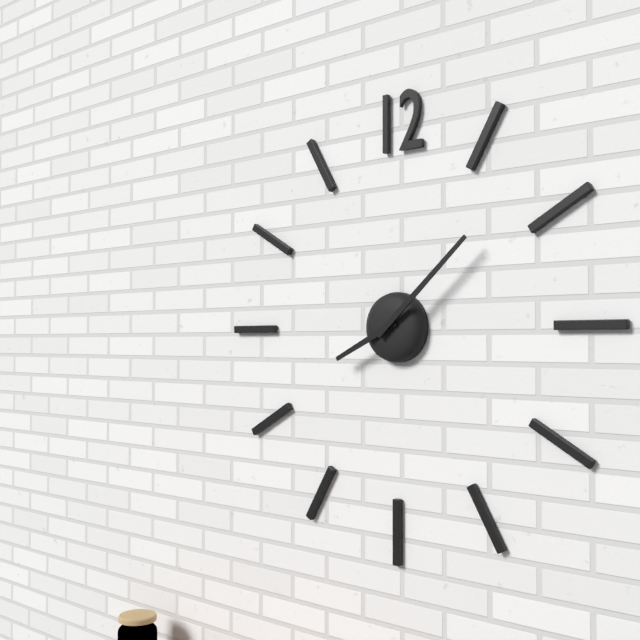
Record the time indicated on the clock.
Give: 8:08
